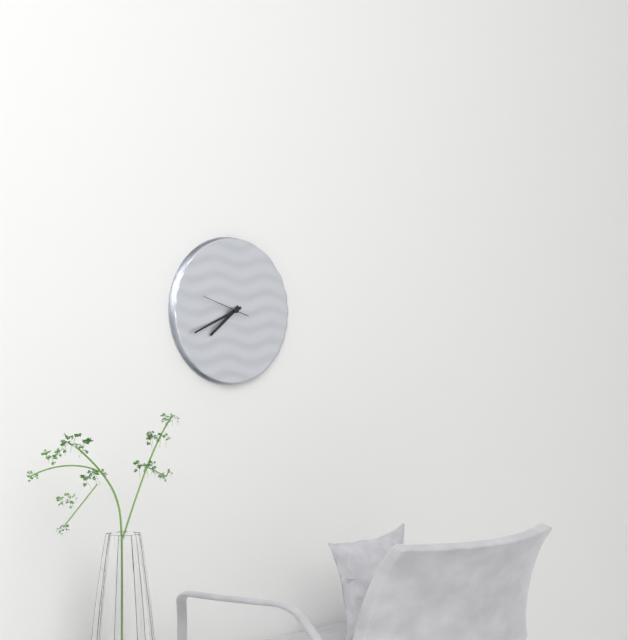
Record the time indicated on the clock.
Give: 7:41
